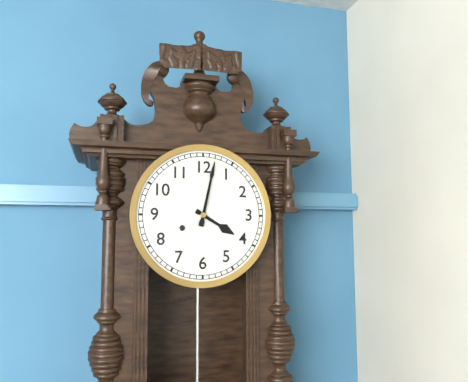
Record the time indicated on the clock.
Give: 4:02
